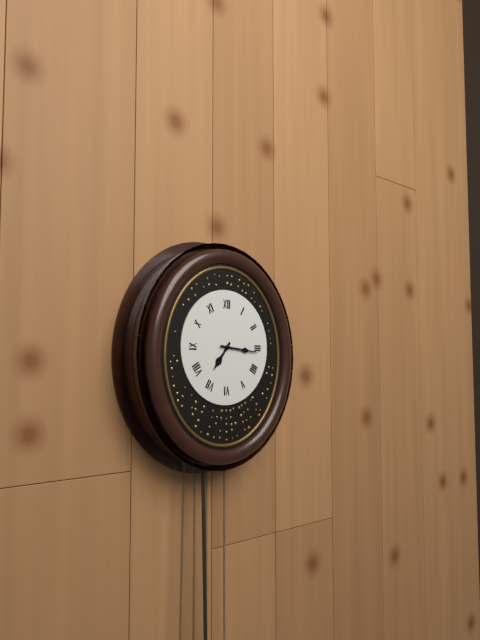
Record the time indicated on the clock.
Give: 7:16
